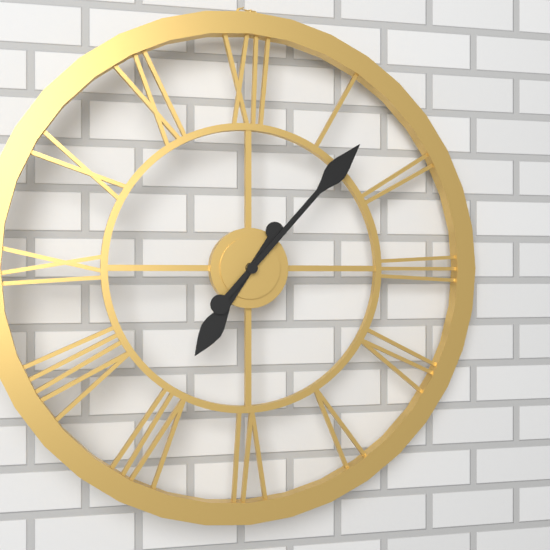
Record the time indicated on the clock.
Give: 7:07
